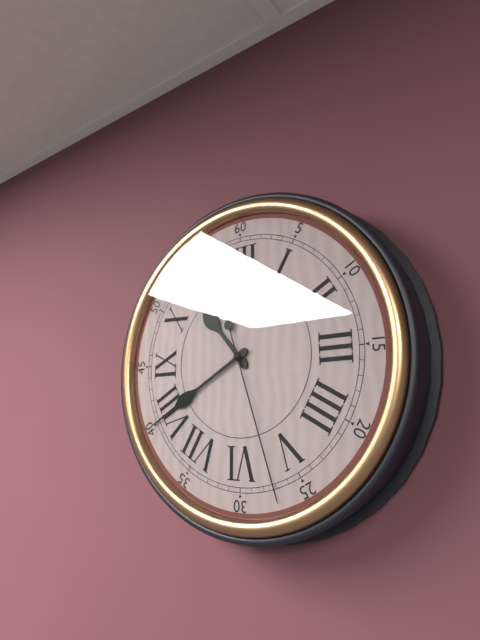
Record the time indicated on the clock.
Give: 10:40:27
